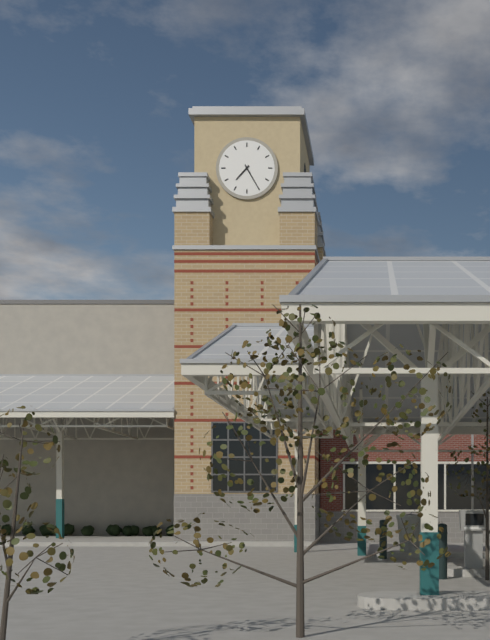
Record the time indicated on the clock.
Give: 7:25
